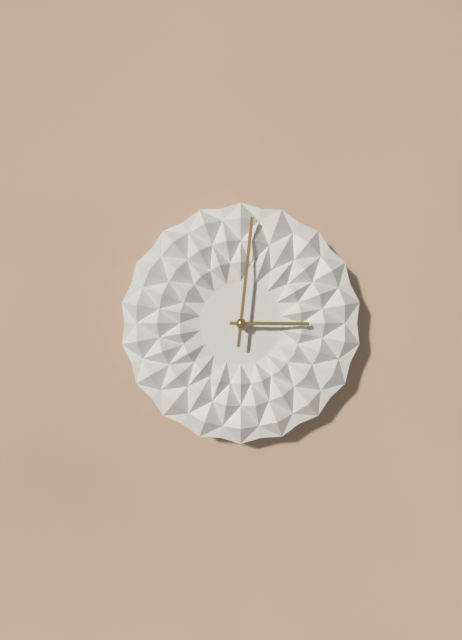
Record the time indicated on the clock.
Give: 3:01
